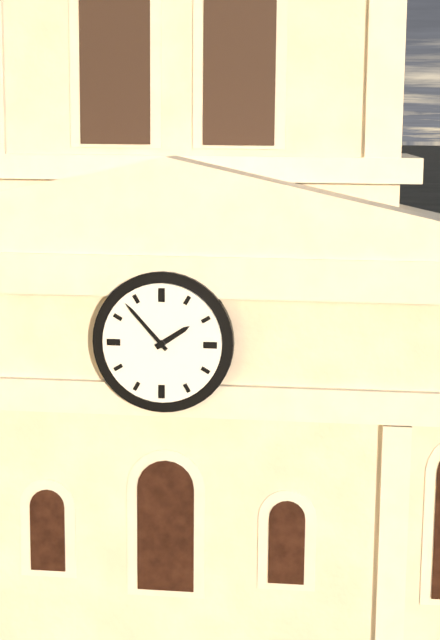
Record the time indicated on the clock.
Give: 1:53
